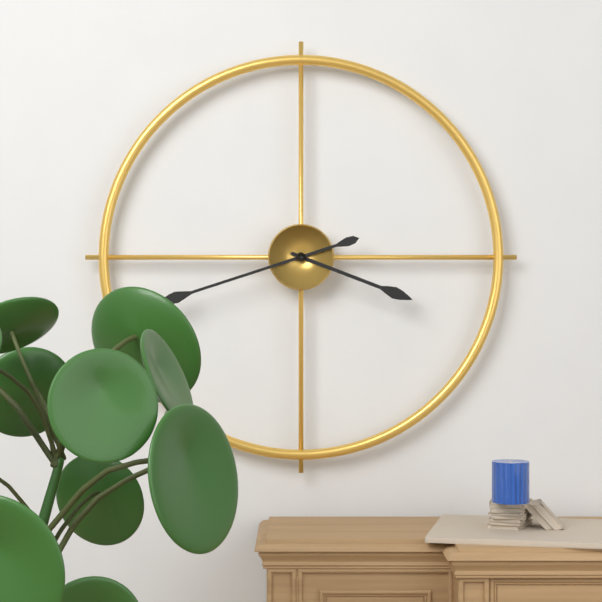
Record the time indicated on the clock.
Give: 3:42
